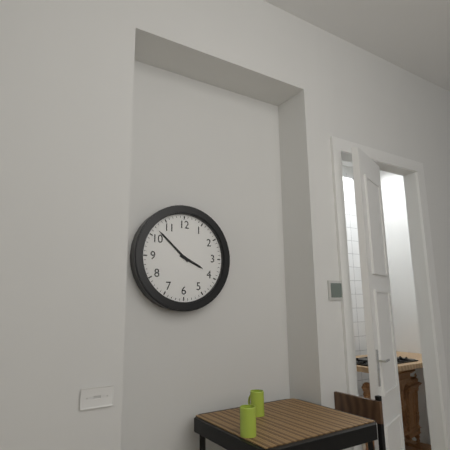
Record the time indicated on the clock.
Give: 3:52
